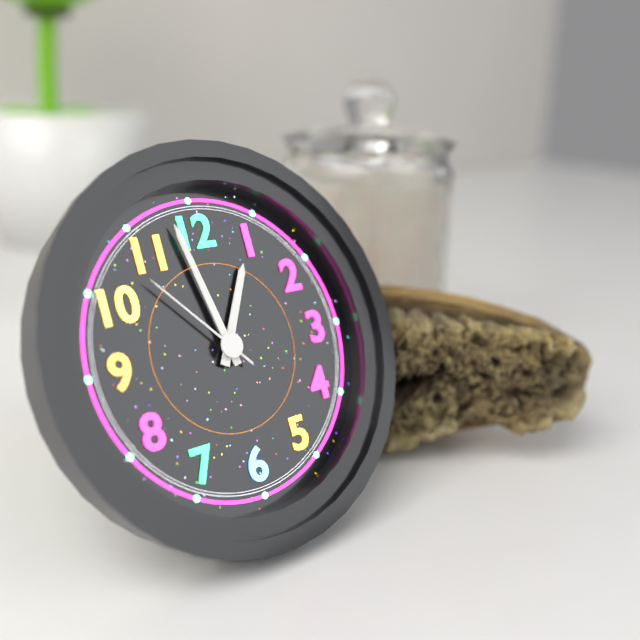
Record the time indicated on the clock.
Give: 12:58:53
